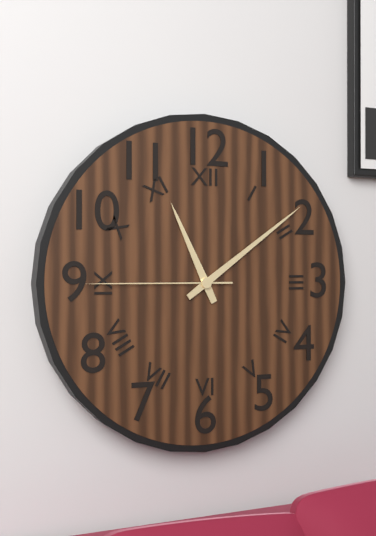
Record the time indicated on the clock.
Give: 11:09:45
